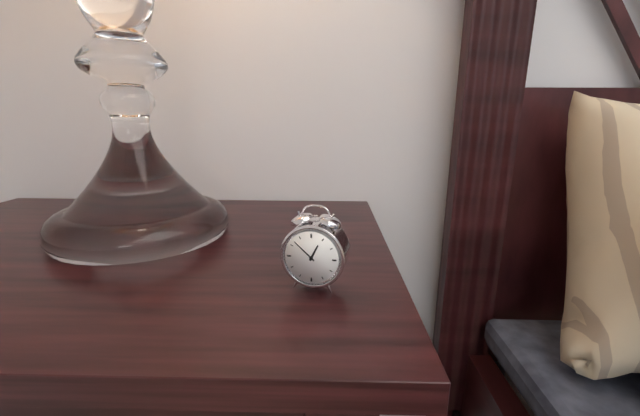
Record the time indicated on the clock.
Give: 12:52
